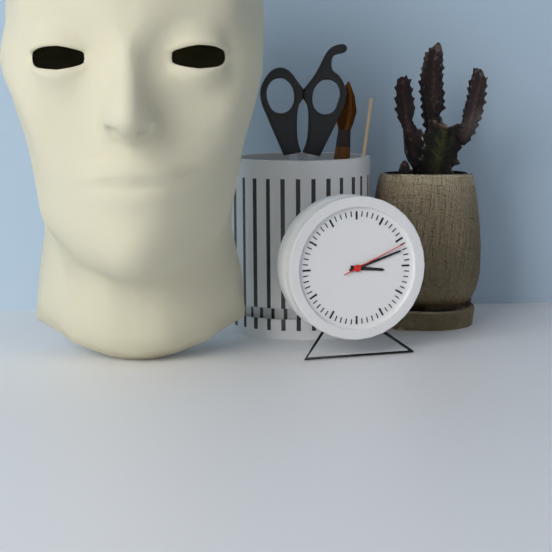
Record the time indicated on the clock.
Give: 3:12:11
